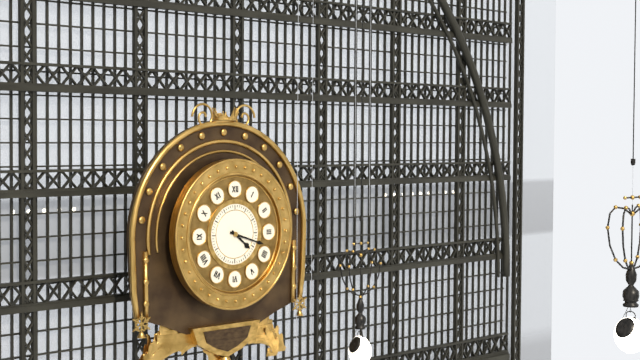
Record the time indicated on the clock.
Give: 4:18
